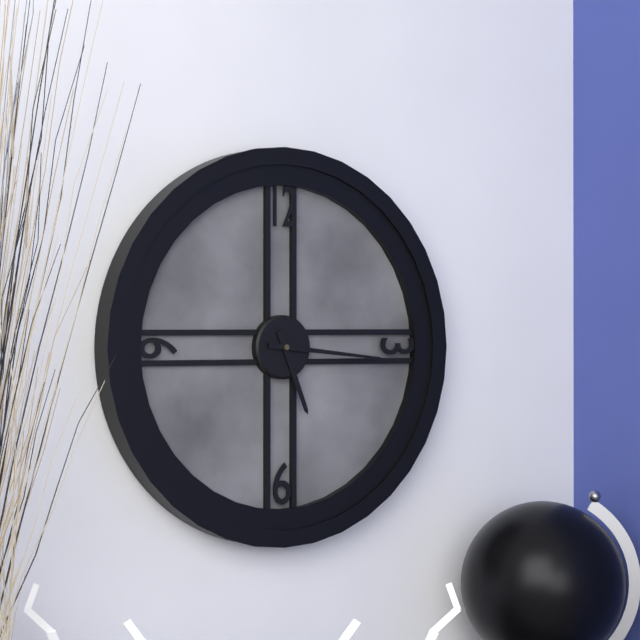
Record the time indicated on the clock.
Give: 5:16
